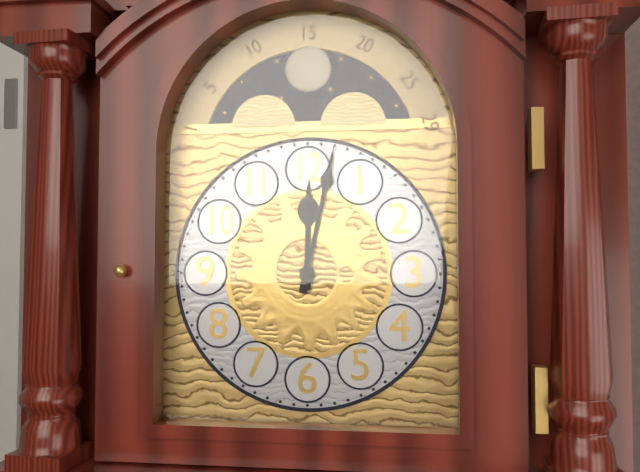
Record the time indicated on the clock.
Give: 12:02
